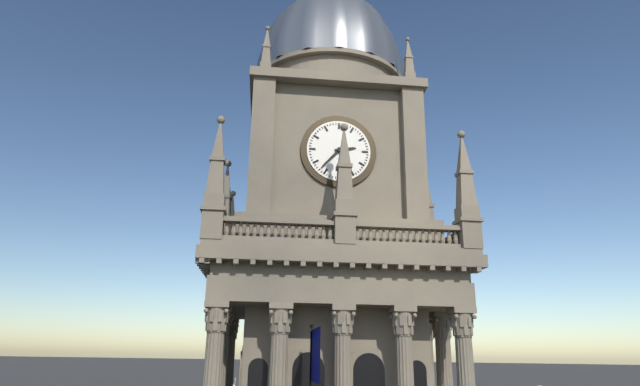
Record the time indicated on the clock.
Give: 2:37
